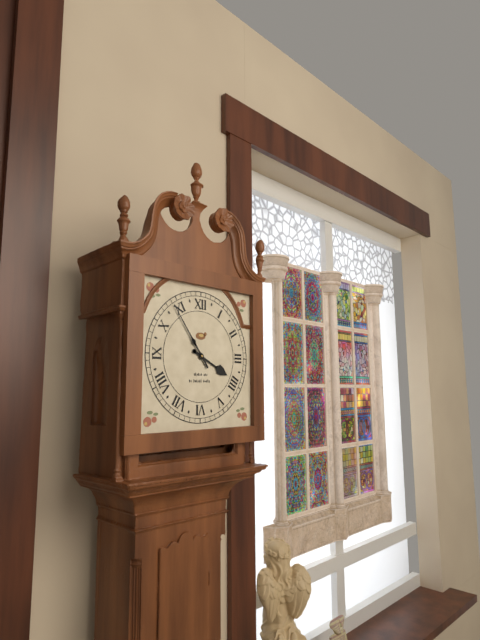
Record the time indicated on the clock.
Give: 3:54
